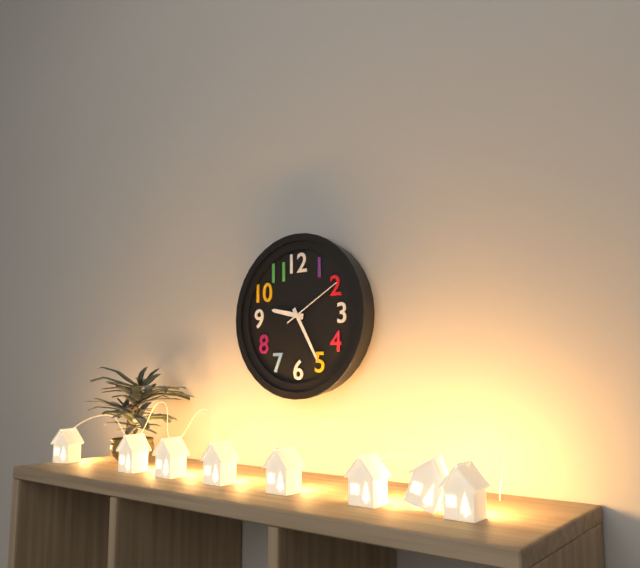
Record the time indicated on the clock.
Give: 9:25:10
